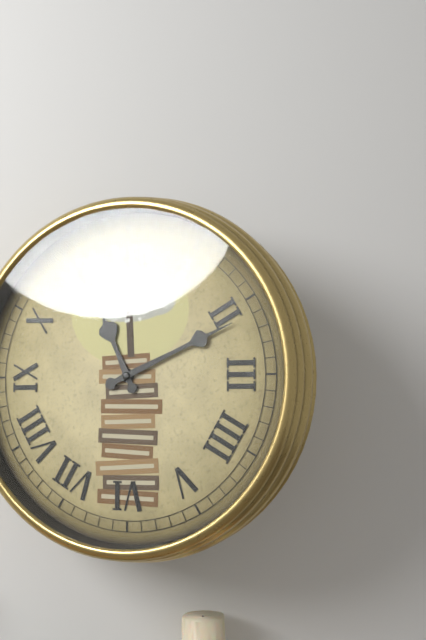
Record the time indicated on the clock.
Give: 11:11
